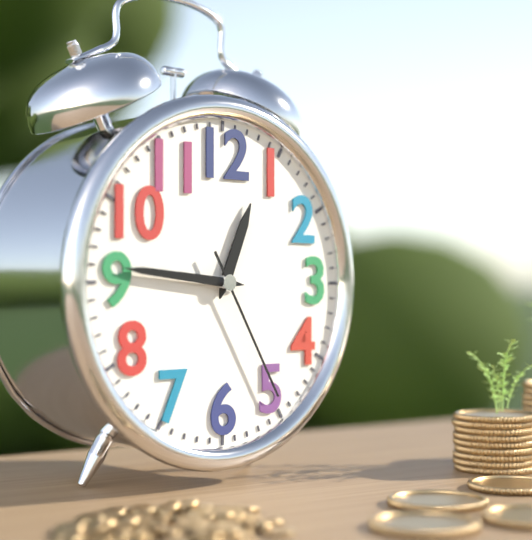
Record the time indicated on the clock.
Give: 12:46:25
